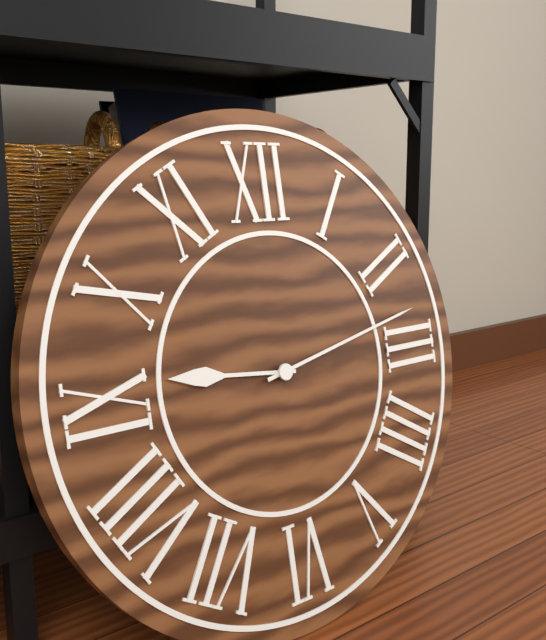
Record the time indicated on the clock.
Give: 9:13
